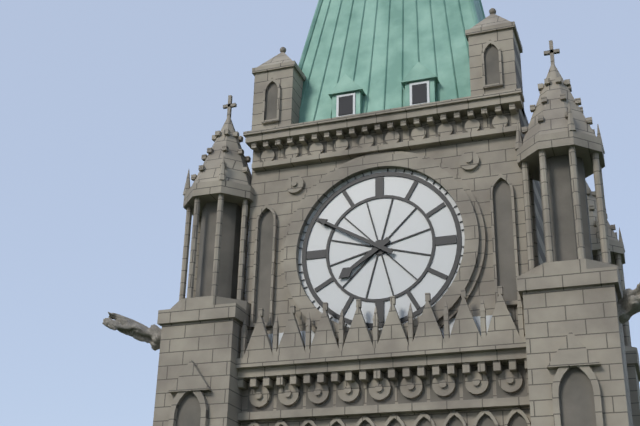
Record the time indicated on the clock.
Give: 7:50
